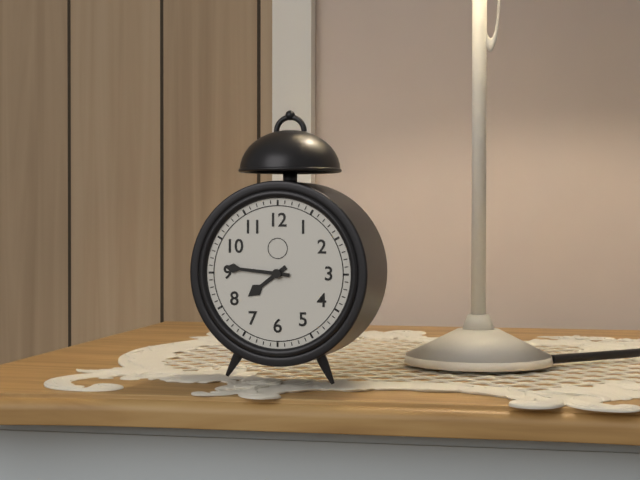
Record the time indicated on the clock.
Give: 7:46
